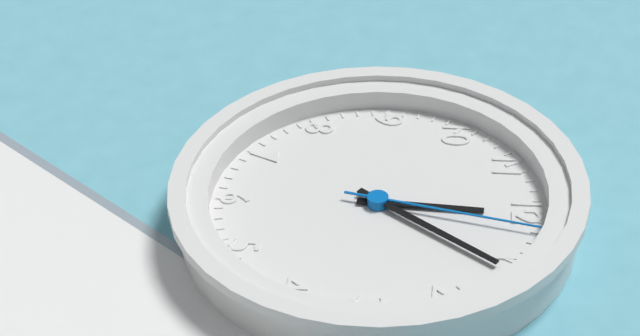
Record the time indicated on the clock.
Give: 12:06:02
